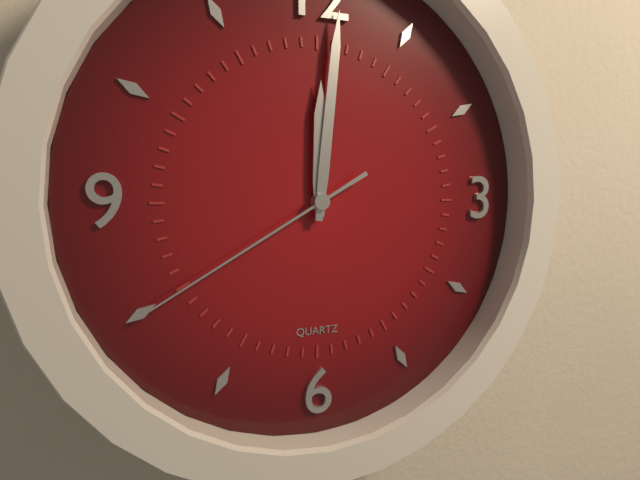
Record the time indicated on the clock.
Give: 12:01:40
